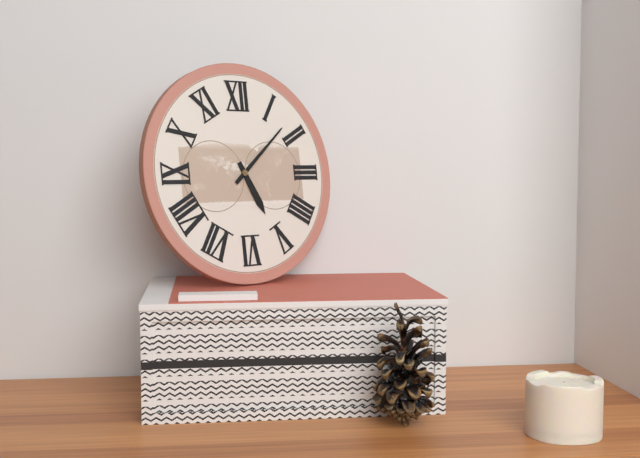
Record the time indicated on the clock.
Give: 5:08
